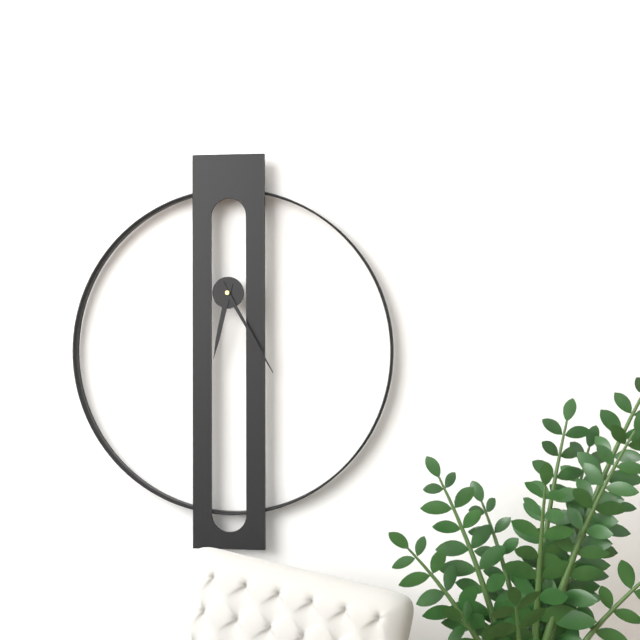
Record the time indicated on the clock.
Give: 6:25
